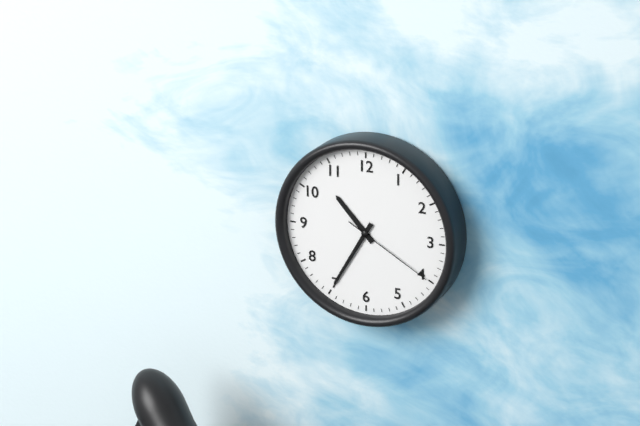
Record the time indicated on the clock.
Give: 10:35:20
